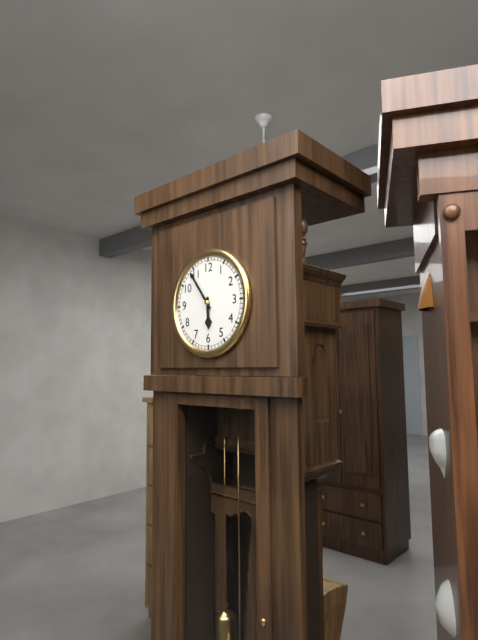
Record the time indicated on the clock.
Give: 5:54
